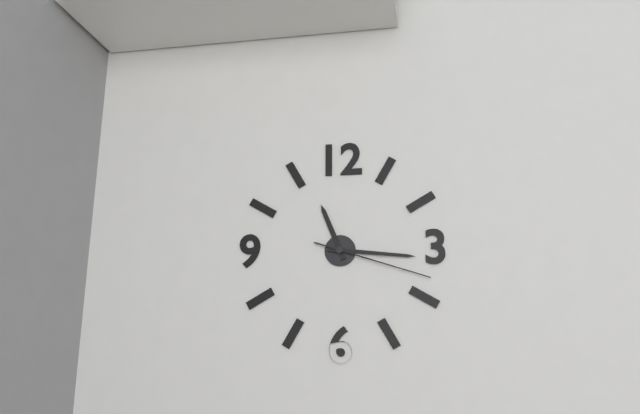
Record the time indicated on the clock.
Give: 11:16:18
